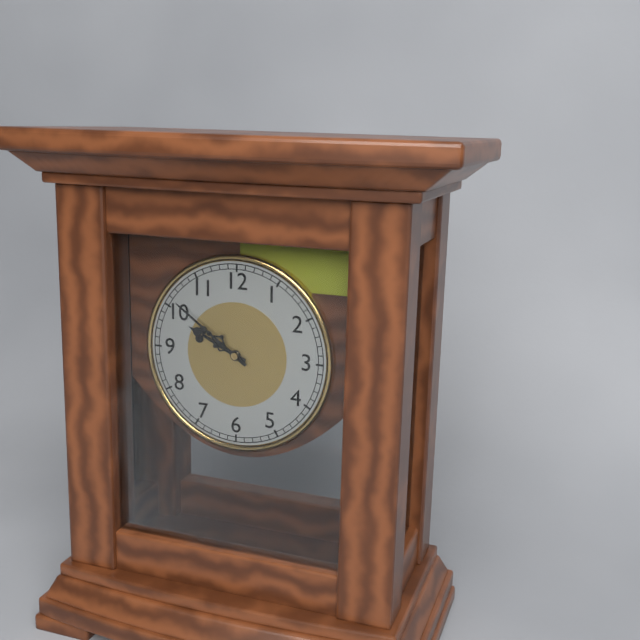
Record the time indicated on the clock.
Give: 9:51
